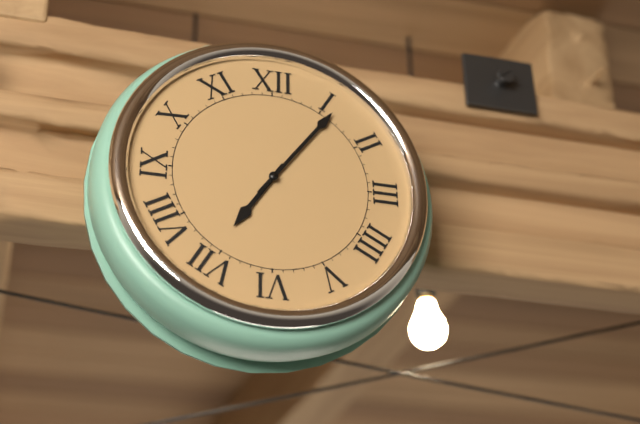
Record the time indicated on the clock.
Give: 7:06
